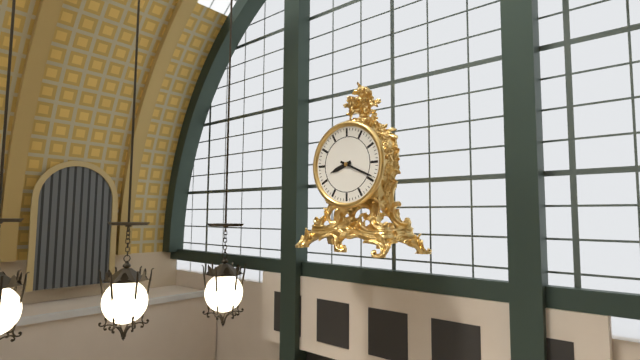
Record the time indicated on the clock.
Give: 8:19
